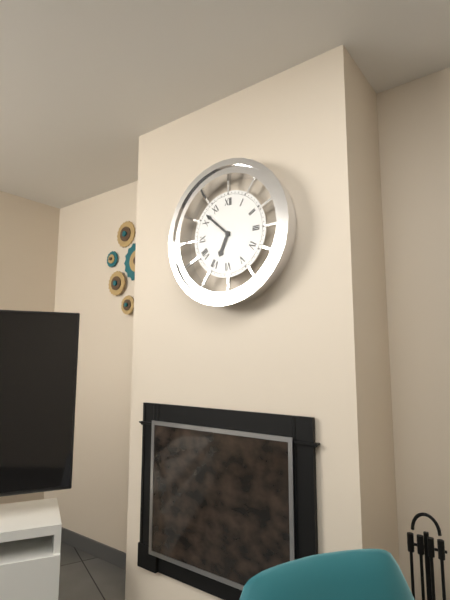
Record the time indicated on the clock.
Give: 6:52
